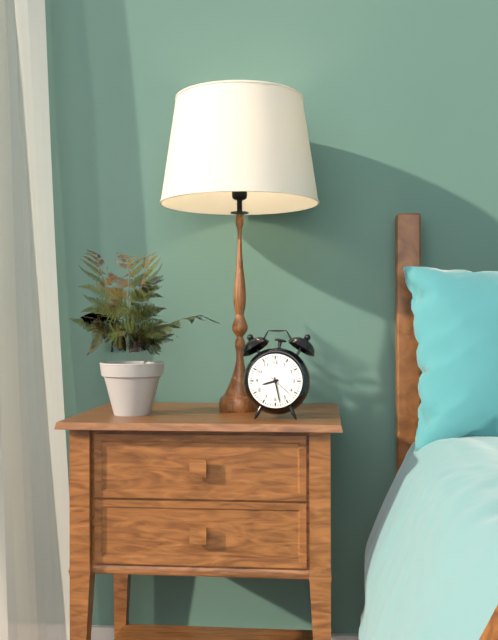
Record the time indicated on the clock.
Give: 8:28
